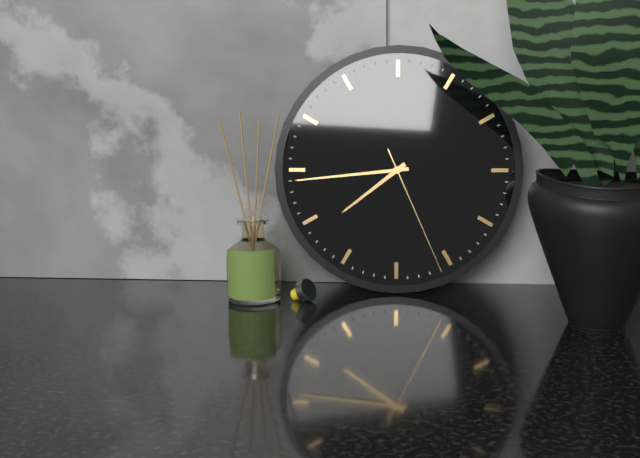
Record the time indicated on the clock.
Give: 7:44:26
